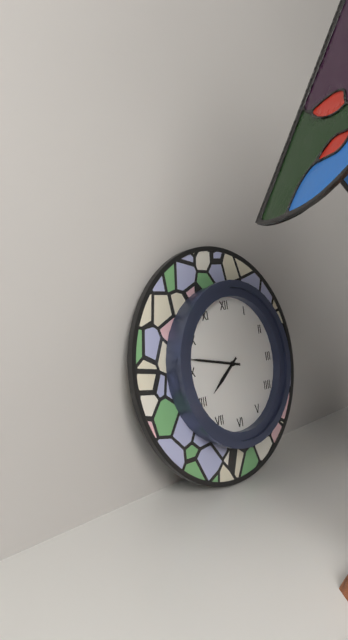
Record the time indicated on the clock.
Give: 7:47
